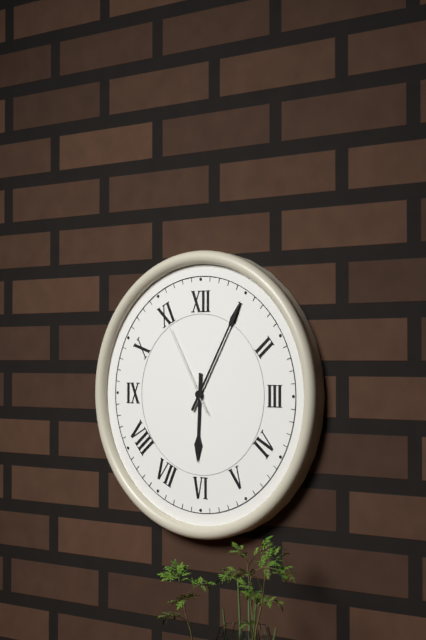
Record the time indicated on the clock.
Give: 6:05:55
